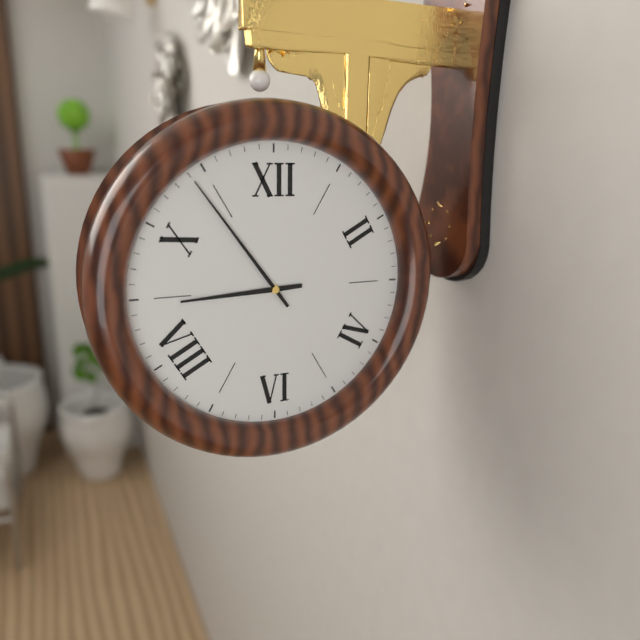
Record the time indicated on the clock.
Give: 8:54
